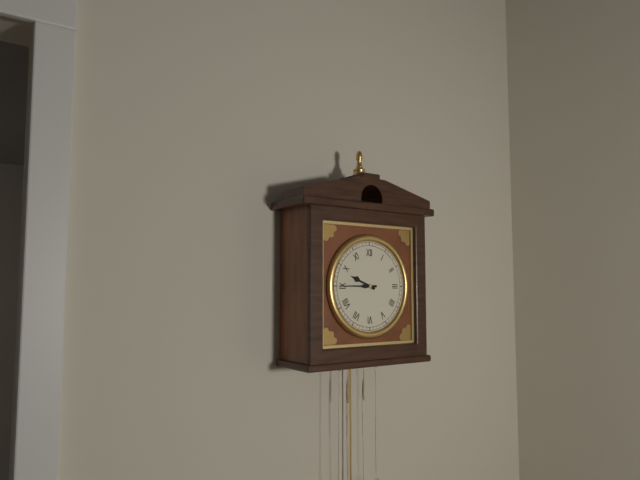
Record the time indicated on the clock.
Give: 9:45
